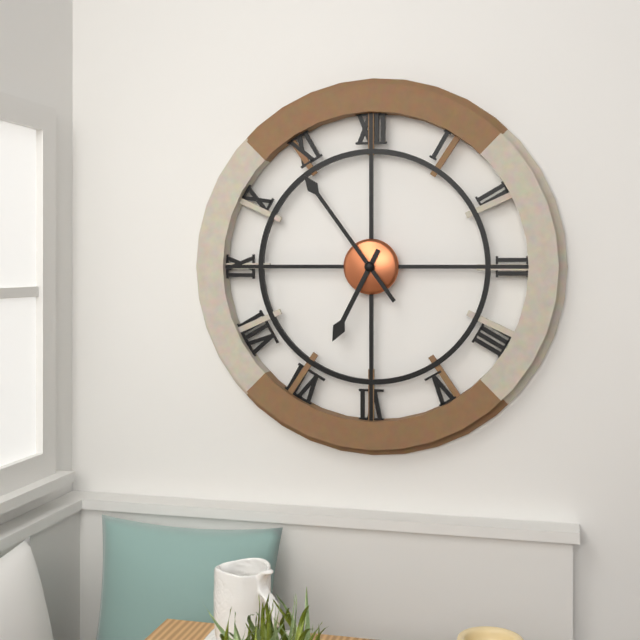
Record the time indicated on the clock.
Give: 6:54
